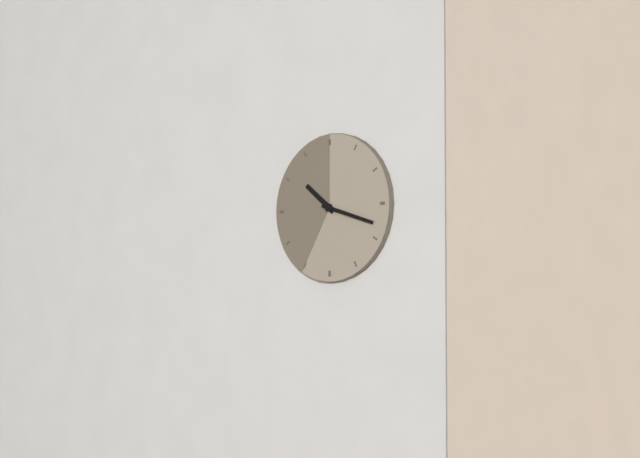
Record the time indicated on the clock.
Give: 10:18
